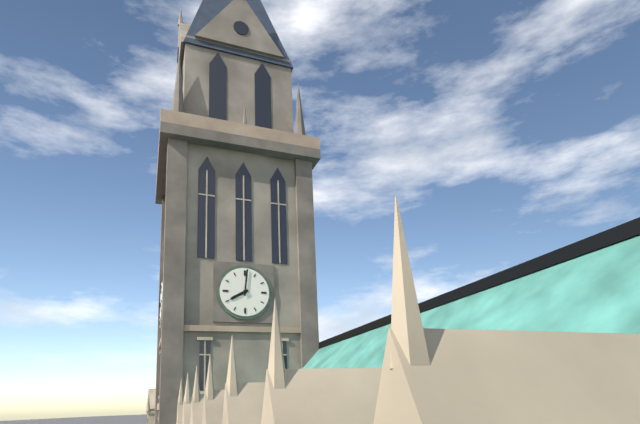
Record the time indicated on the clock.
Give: 8:01
